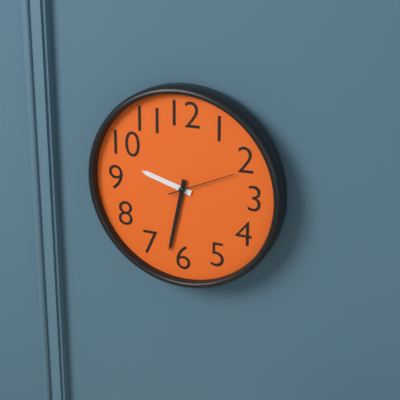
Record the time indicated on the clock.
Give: 9:32:11
